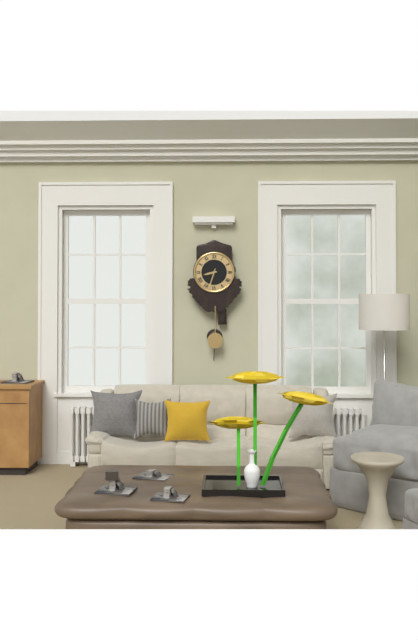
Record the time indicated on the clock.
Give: 8:33
